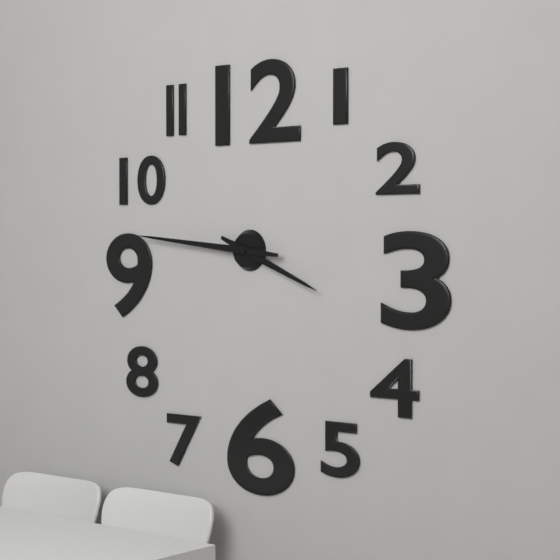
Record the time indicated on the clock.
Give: 3:46
